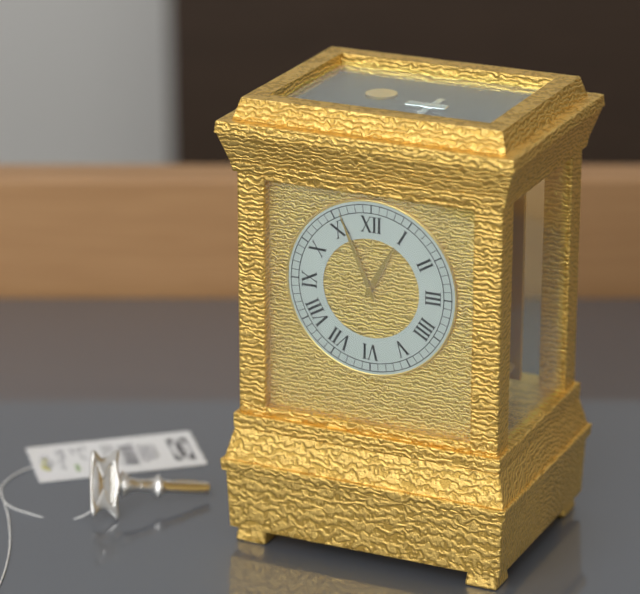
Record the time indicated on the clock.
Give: 12:56
